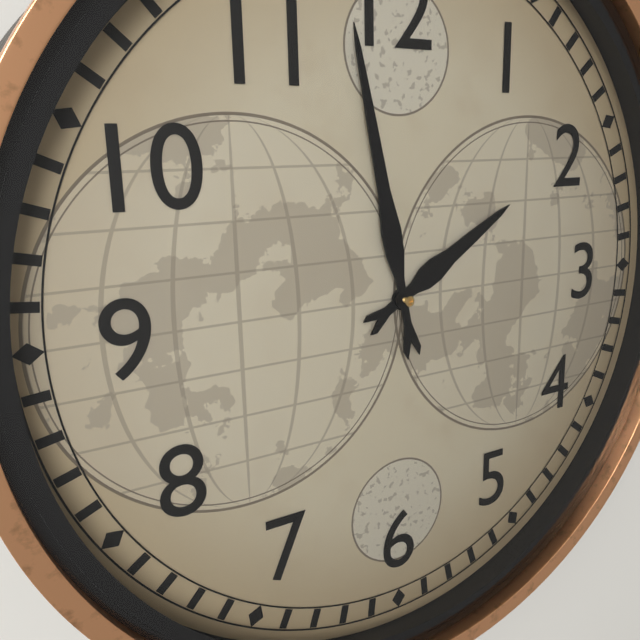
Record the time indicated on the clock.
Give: 1:58
